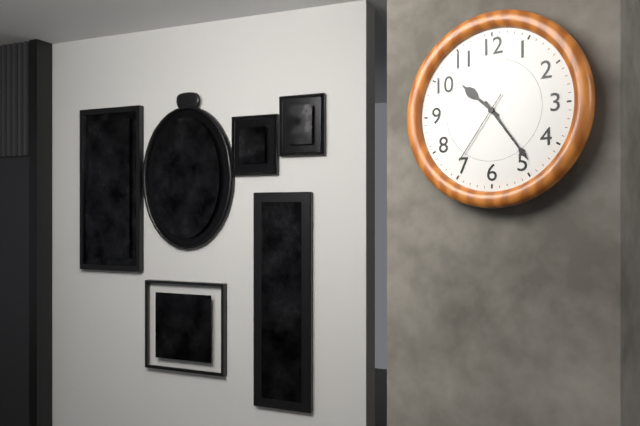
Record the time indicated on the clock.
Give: 10:24:36
